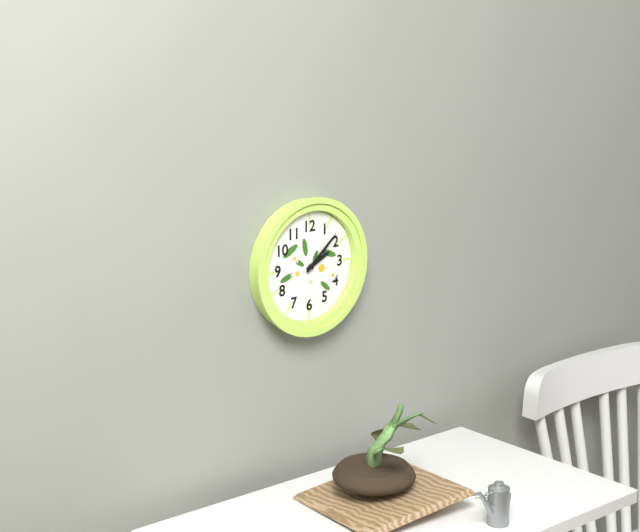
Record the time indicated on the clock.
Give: 2:08
